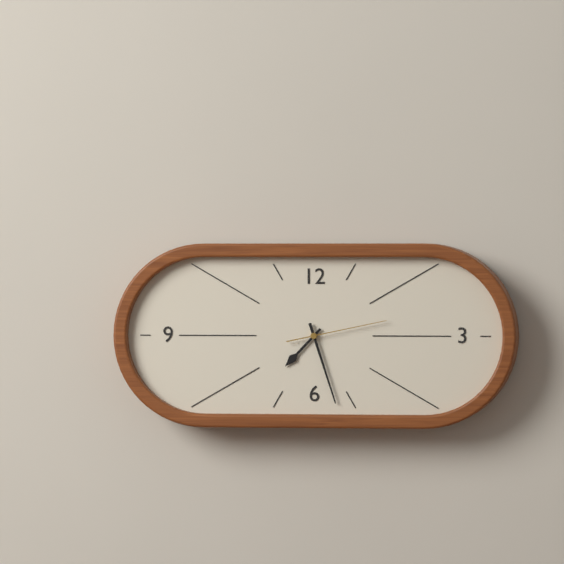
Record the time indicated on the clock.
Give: 7:27:13
